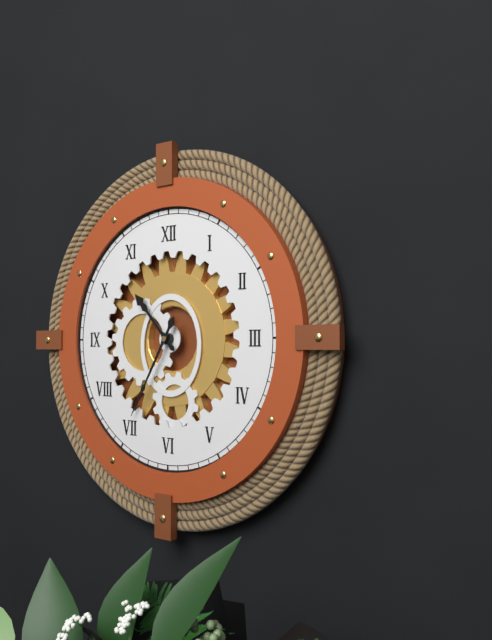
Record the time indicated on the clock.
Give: 10:35
